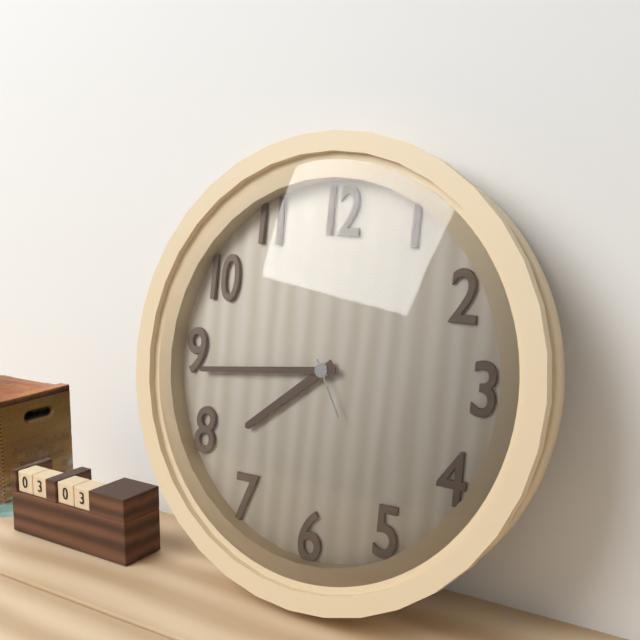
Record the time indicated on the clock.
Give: 7:44:25
